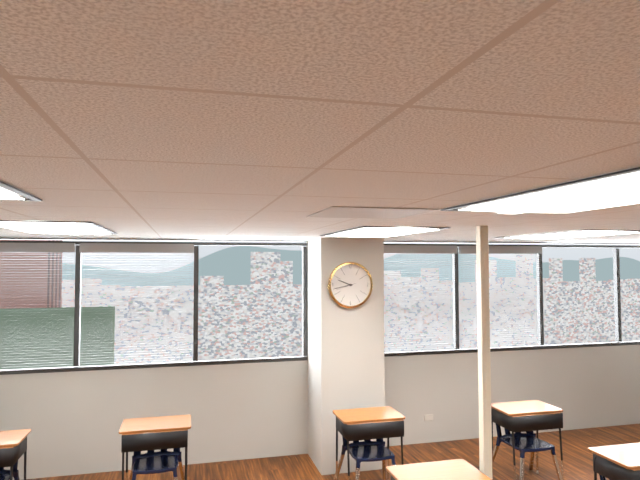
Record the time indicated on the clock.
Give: 9:43
